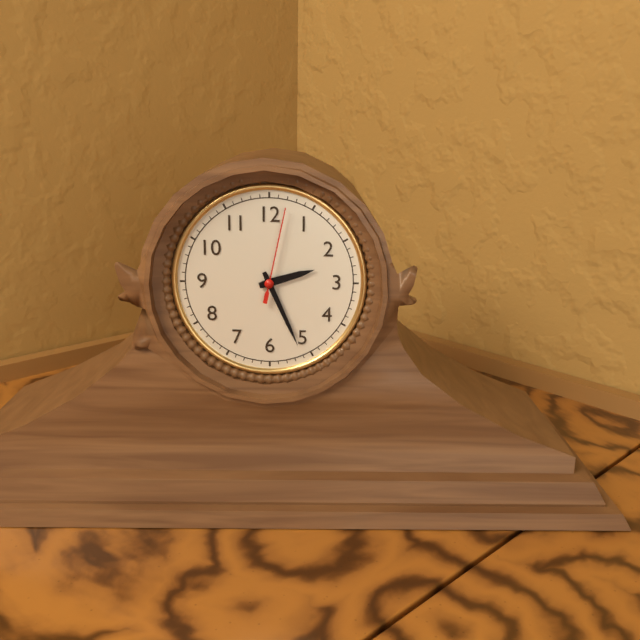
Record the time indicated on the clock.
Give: 2:26:02
